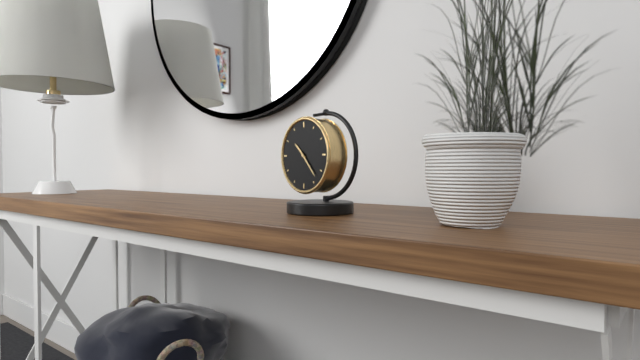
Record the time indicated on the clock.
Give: 10:23
